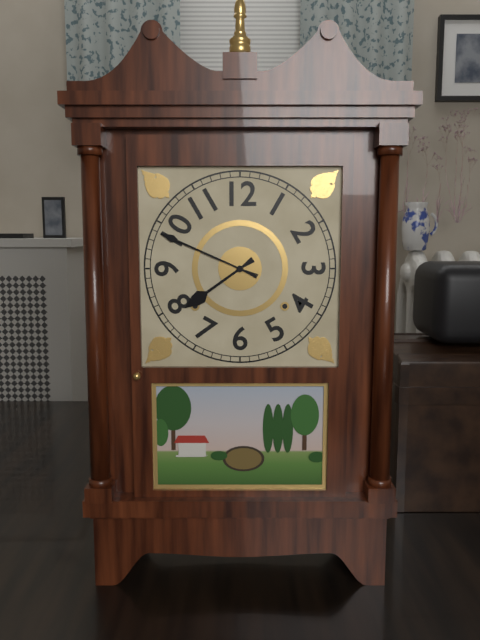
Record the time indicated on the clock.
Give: 7:49
